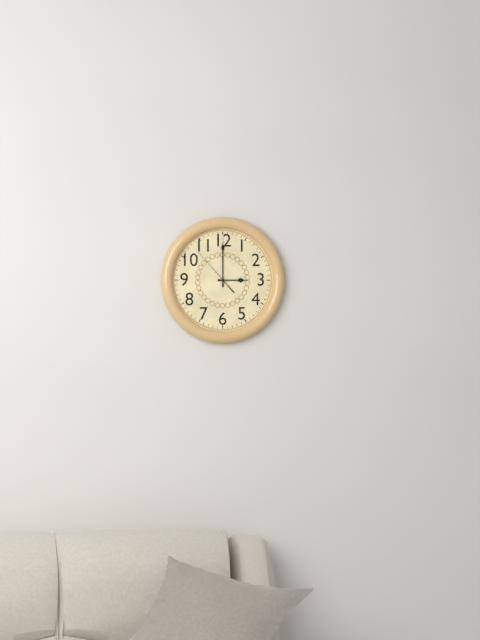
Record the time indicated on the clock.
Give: 3:00
